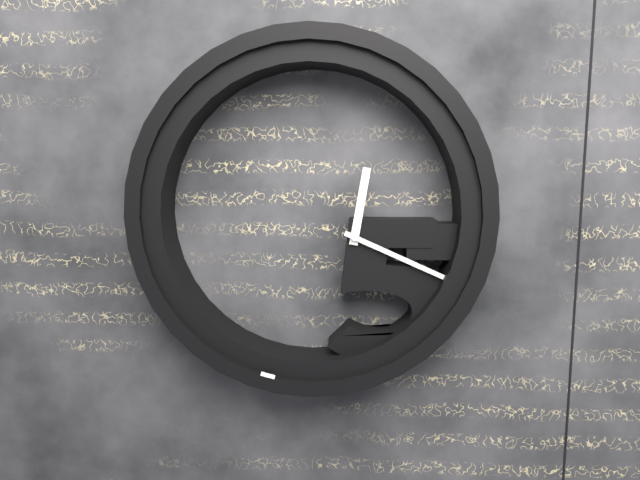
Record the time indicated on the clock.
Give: 12:19
